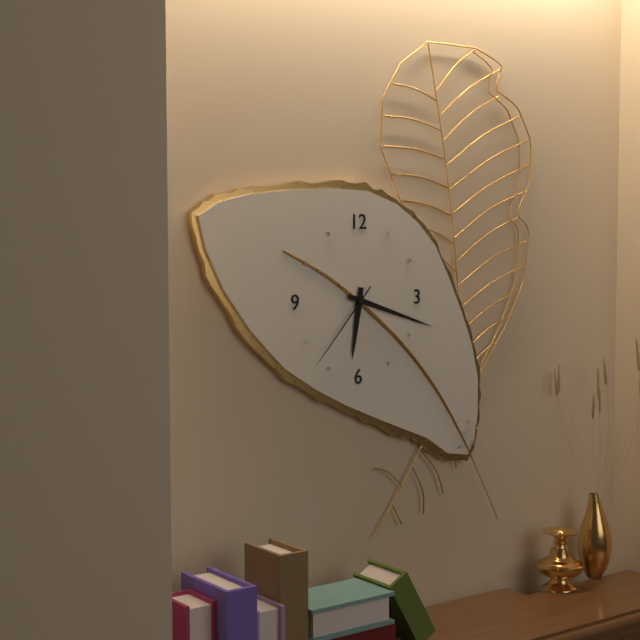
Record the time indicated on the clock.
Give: 6:18:37
